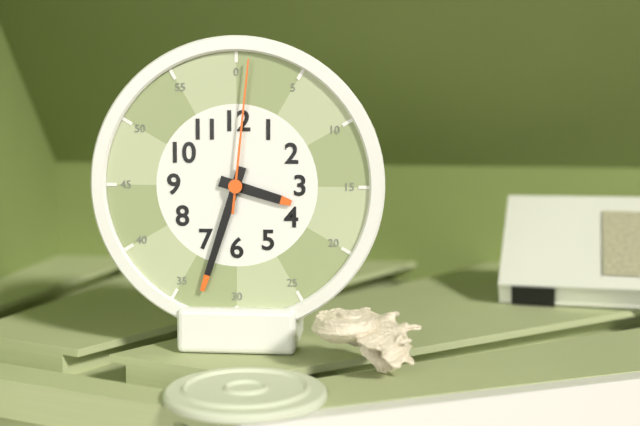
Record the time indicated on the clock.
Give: 3:33:01
